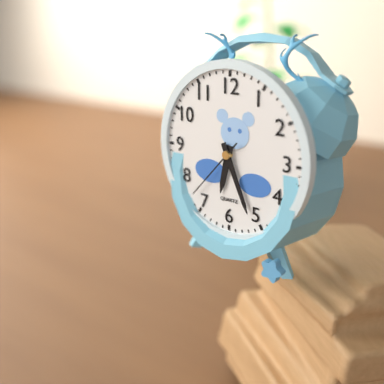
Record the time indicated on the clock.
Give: 6:26:37
